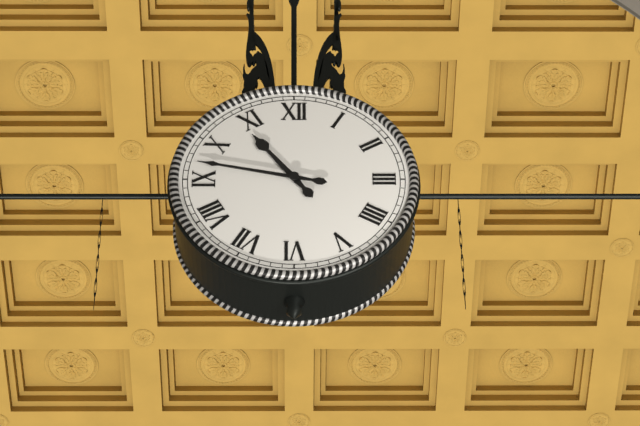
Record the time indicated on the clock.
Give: 10:47
